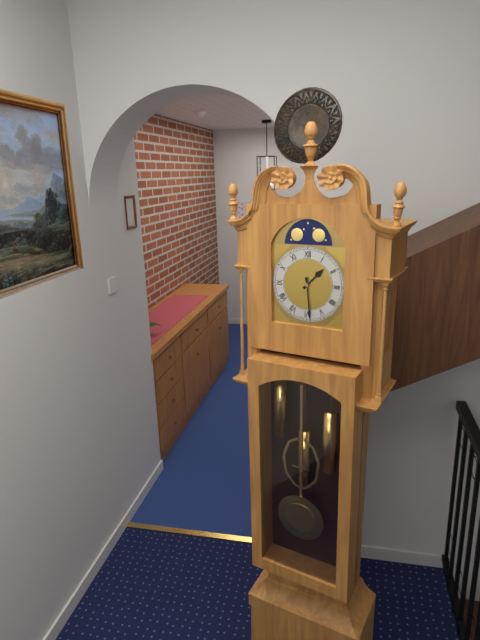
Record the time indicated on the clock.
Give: 1:29
